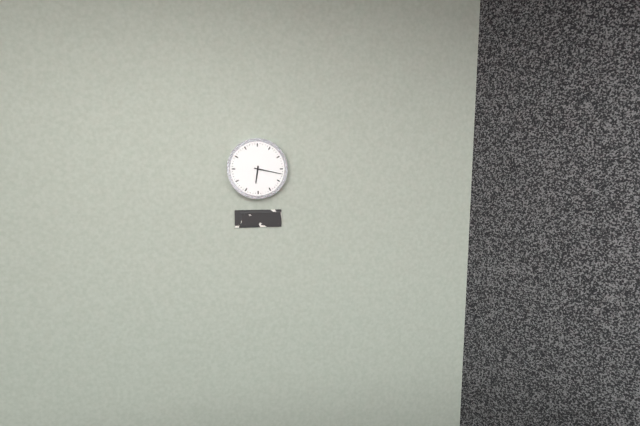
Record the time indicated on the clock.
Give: 6:17
